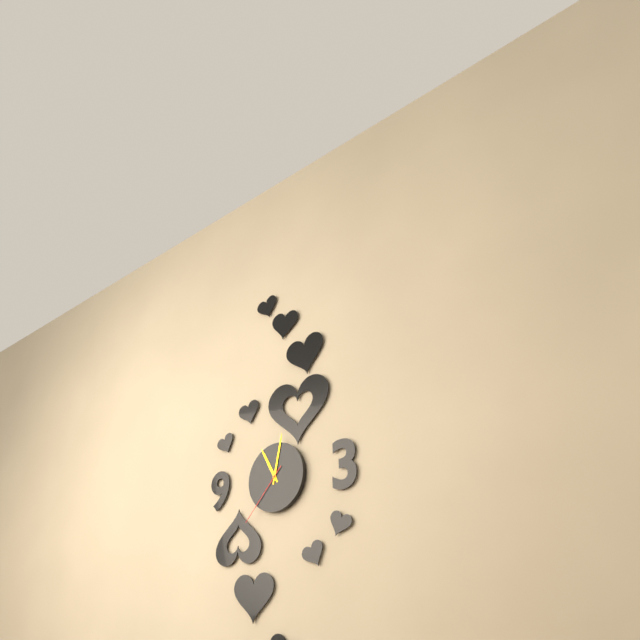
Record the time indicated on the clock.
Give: 11:02:37
